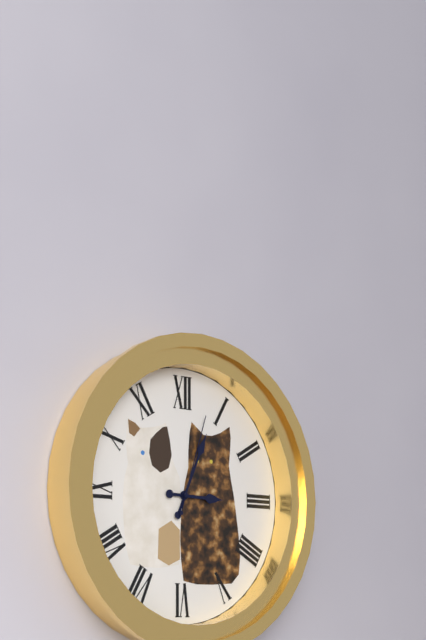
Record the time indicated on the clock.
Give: 3:04:03
